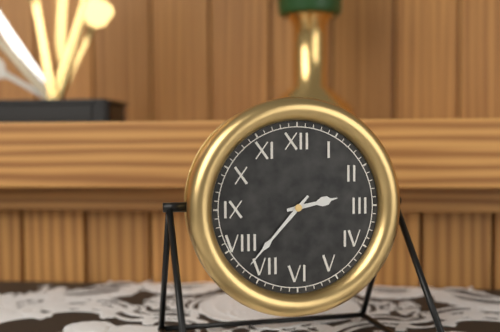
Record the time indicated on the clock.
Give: 2:37
